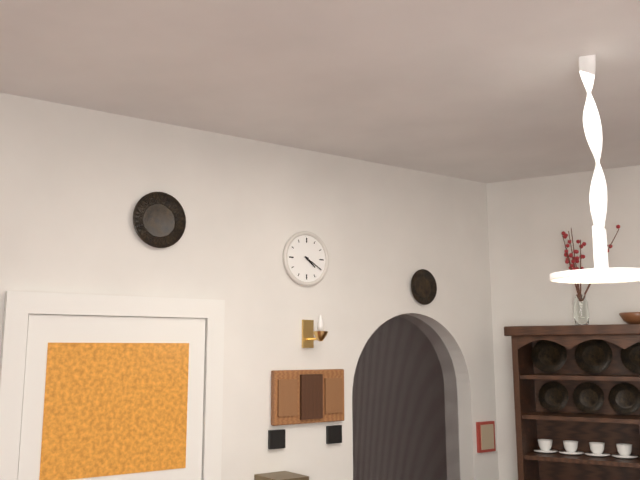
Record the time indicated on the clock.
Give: 4:20
